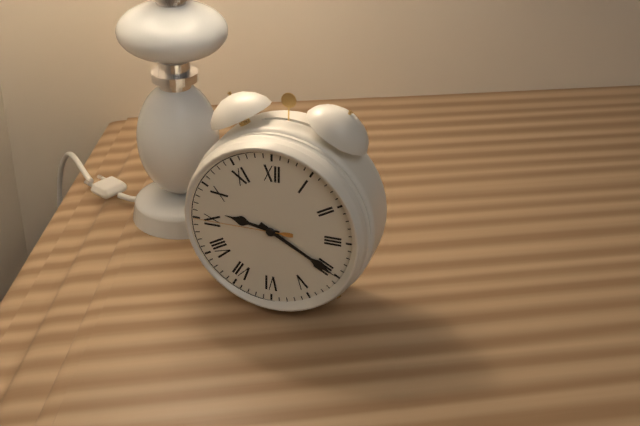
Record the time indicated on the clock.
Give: 9:20:45
